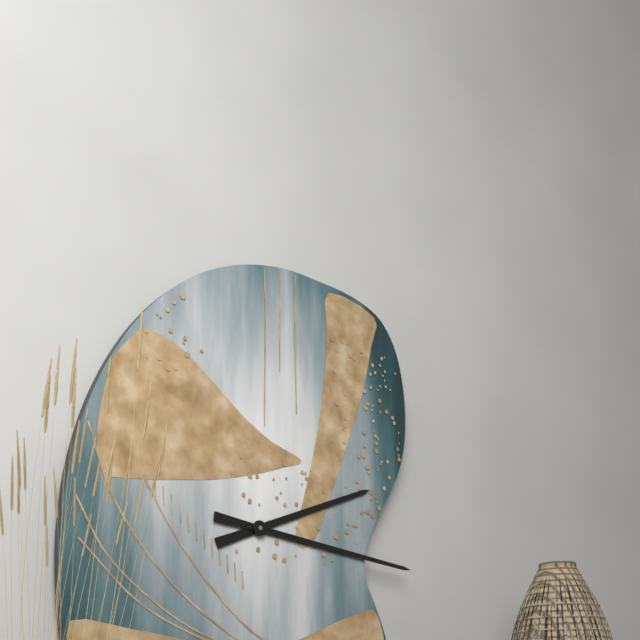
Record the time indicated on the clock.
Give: 2:16
